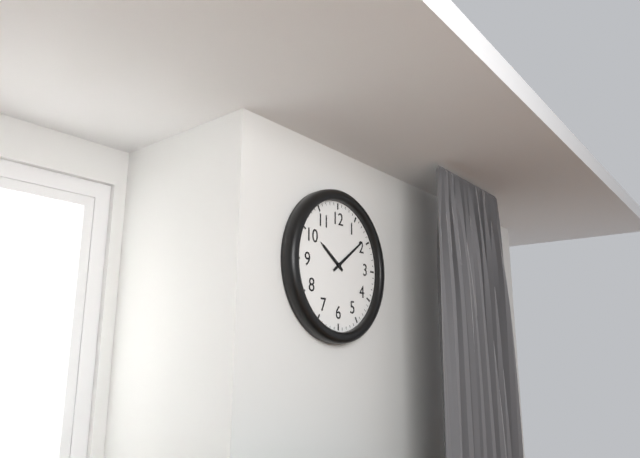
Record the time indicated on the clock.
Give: 10:09
